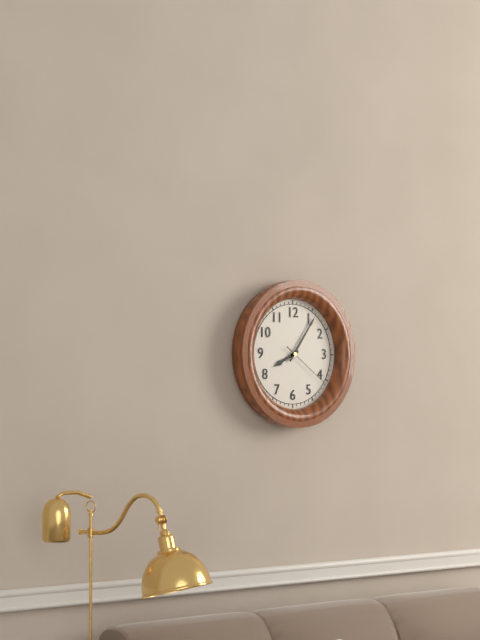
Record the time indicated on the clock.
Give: 8:06:21
